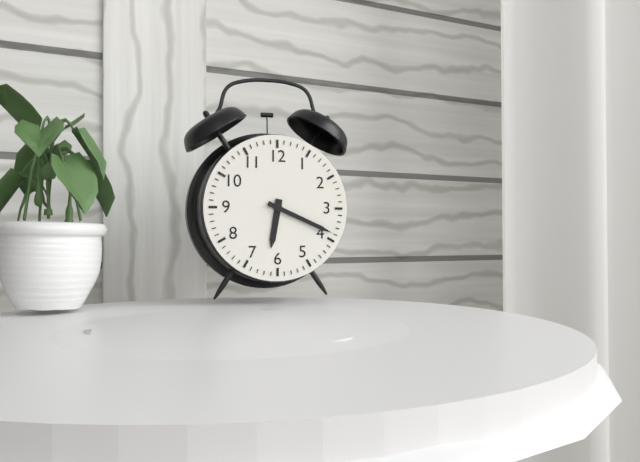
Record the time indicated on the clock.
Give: 6:19
